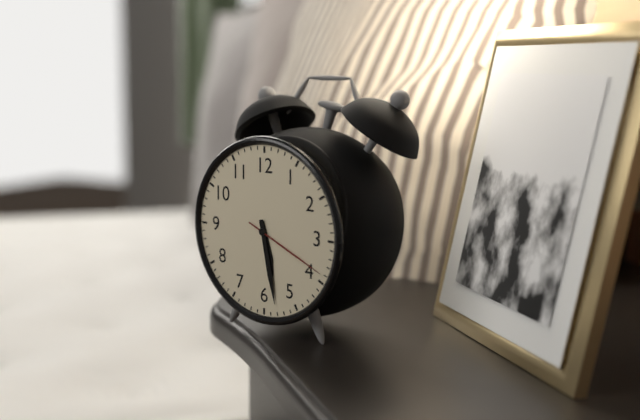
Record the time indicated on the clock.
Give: 5:28:19
